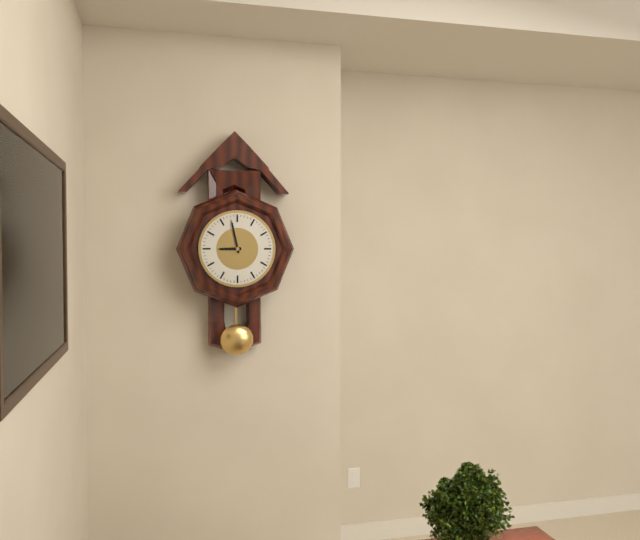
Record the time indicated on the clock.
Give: 8:58
